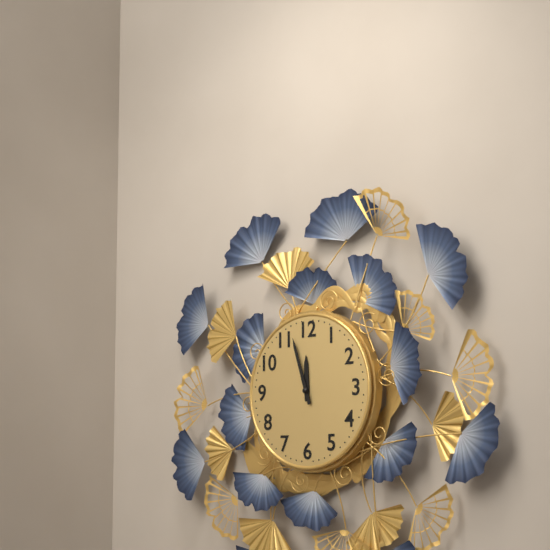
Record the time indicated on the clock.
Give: 11:57
